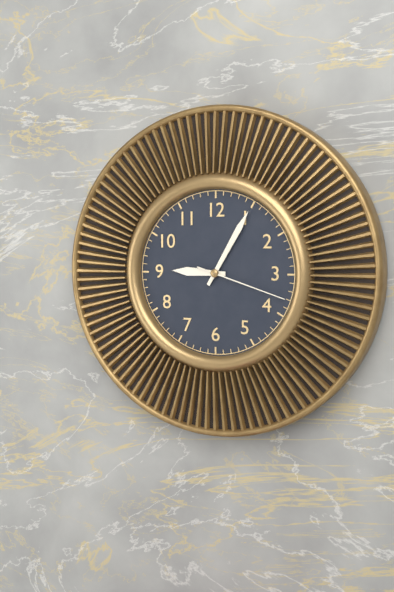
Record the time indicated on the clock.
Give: 9:05:18
